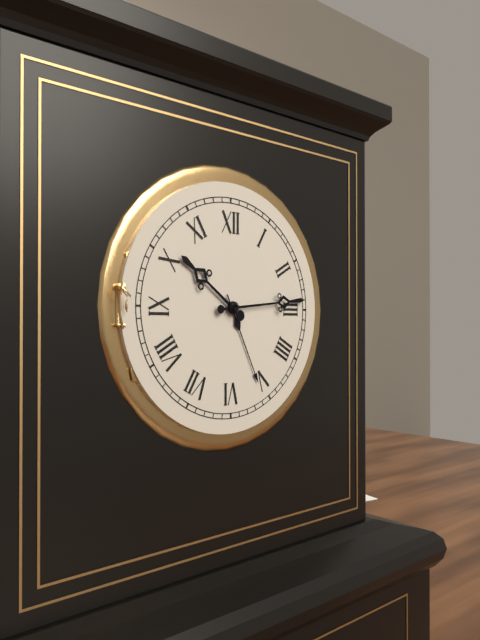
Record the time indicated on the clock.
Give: 10:14
